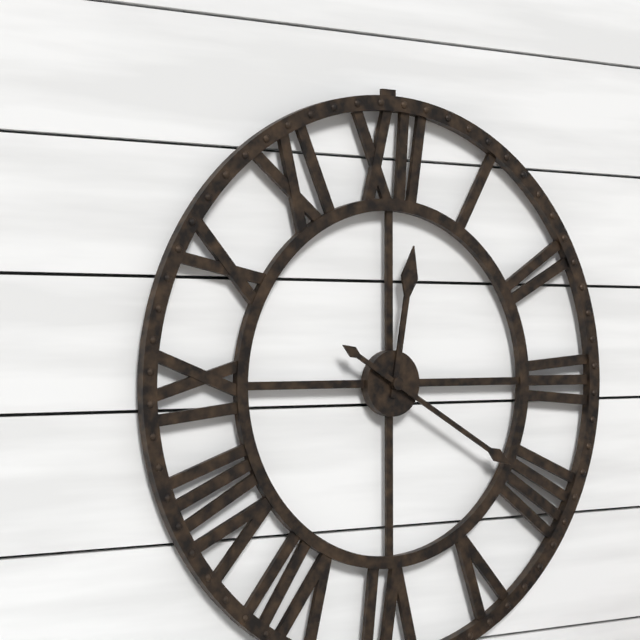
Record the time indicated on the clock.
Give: 12:20
